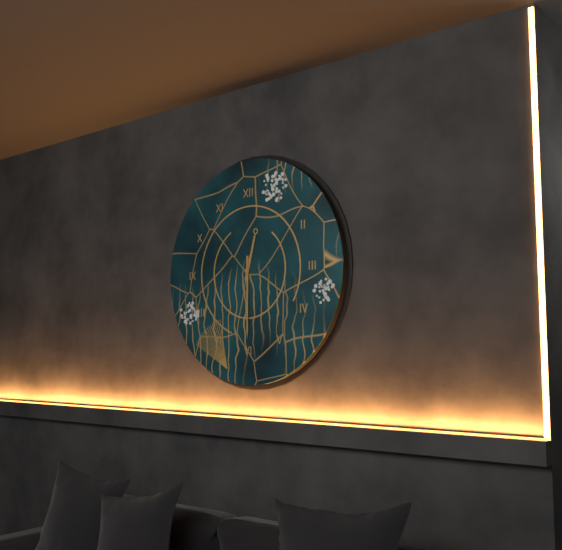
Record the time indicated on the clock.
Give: 12:30
